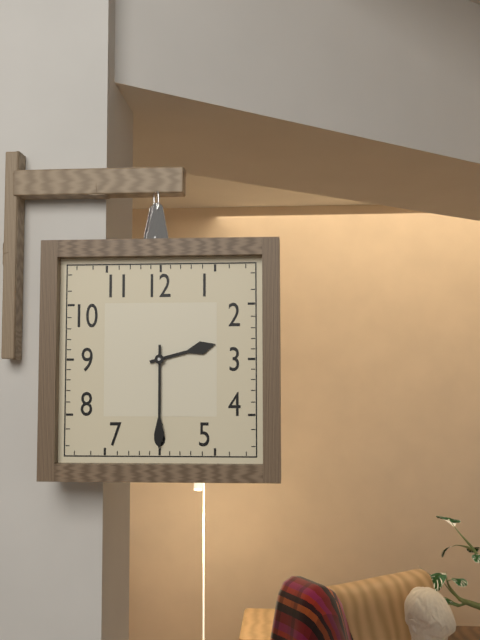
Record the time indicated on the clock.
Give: 2:30
